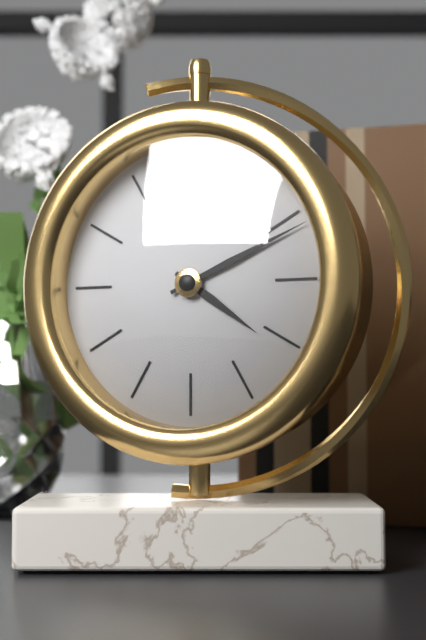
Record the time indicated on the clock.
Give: 4:11
